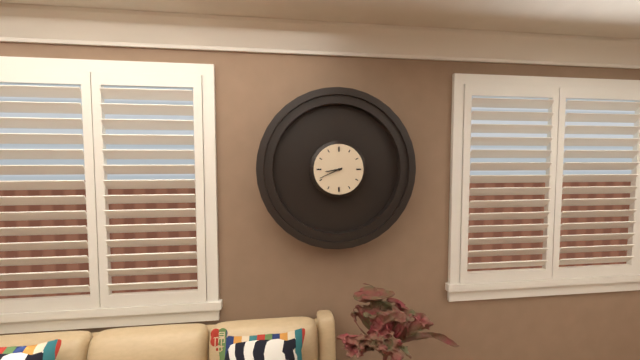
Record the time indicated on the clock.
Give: 8:41
